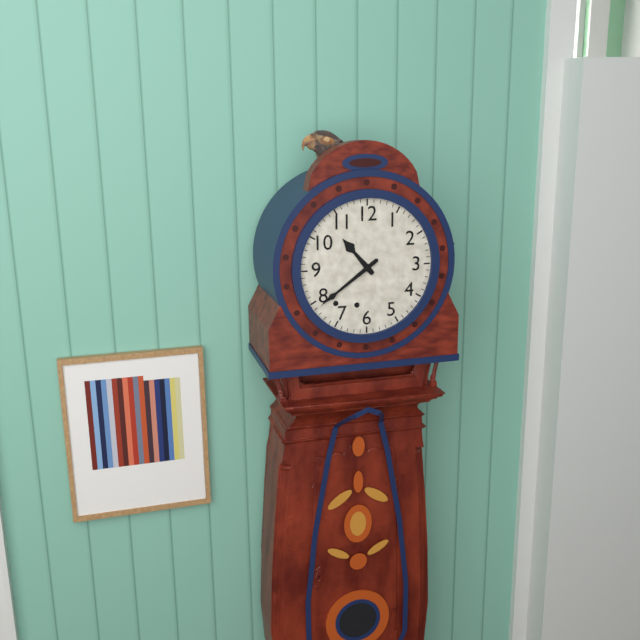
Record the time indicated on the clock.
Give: 10:39
